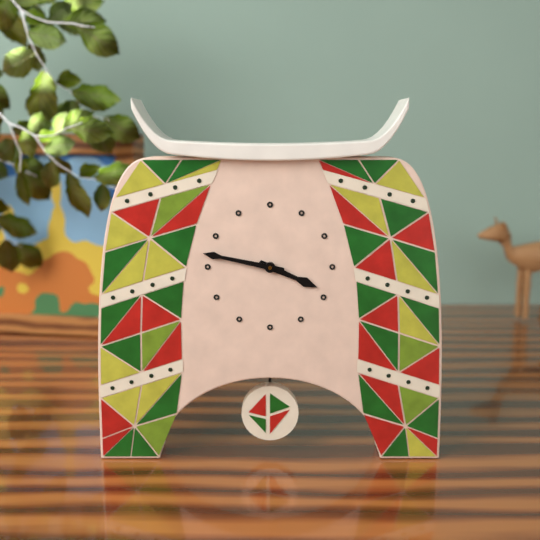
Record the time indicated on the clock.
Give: 3:47
